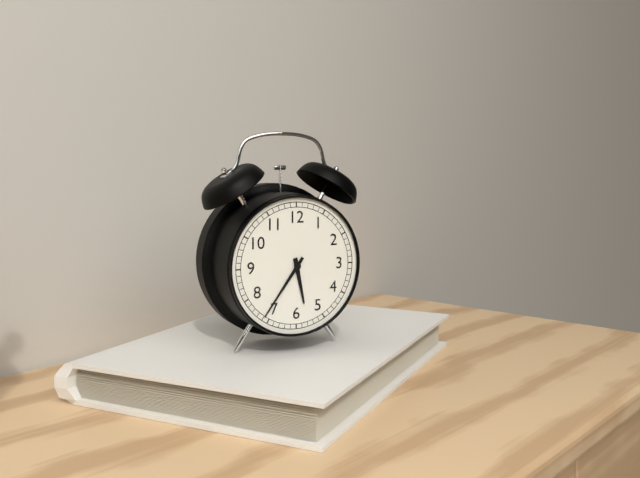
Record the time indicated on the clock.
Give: 5:36
